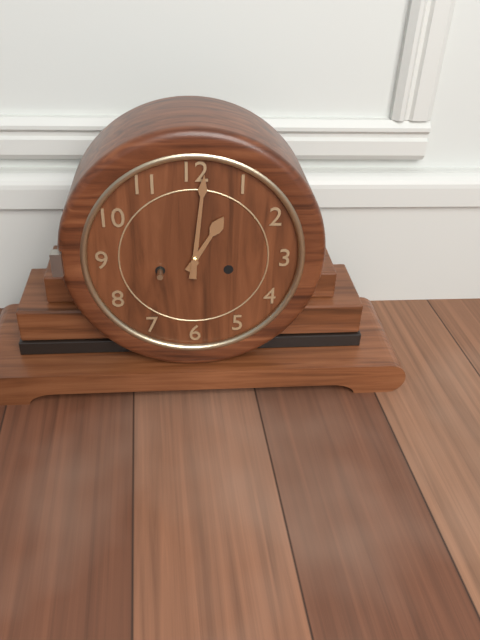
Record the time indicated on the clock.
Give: 1:01
